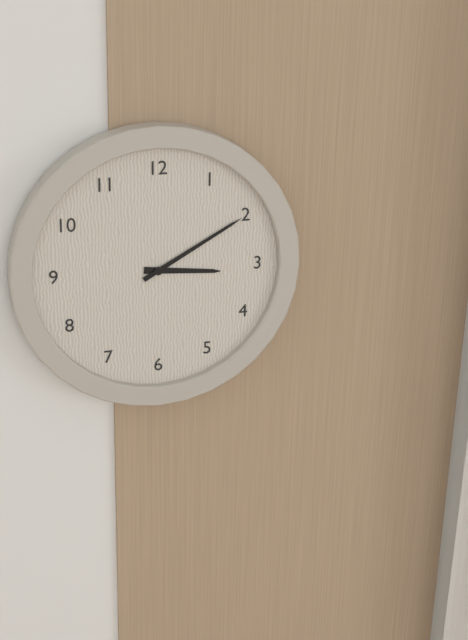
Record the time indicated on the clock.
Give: 3:10
